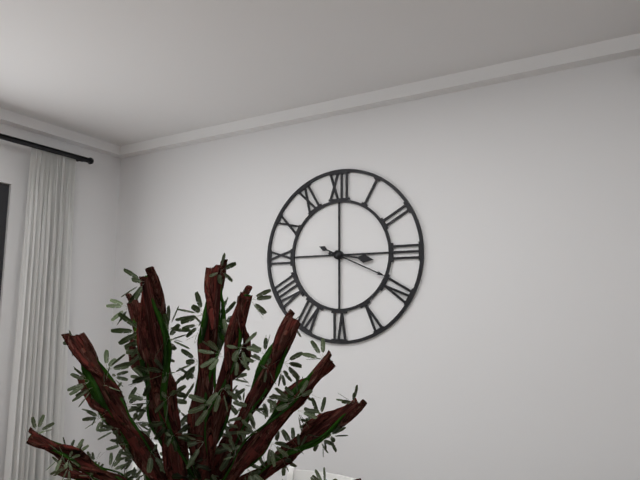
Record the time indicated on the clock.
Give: 3:19
